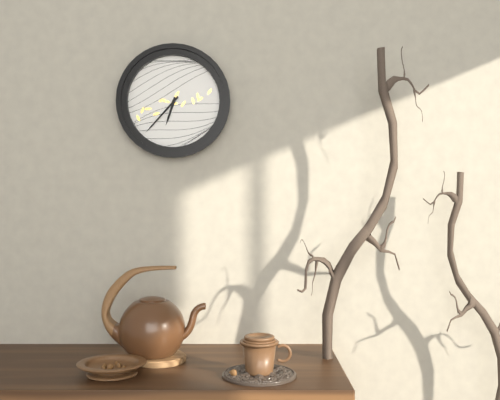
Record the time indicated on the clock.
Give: 6:37
